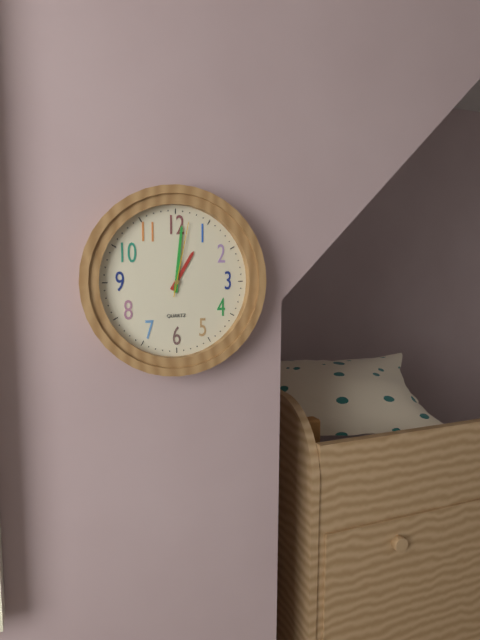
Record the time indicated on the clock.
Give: 1:01:02
